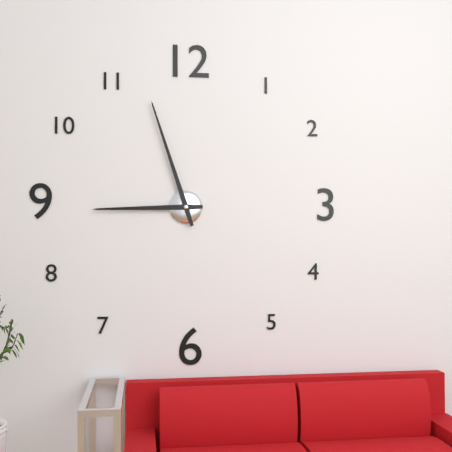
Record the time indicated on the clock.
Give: 8:57
